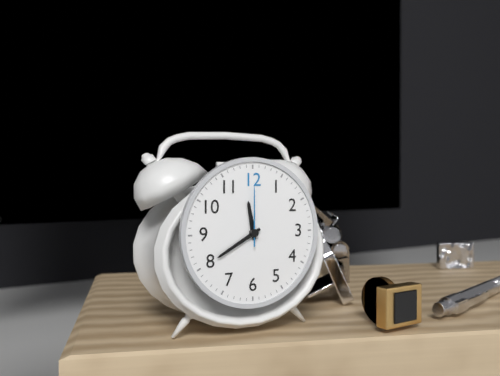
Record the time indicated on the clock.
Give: 11:40:00
